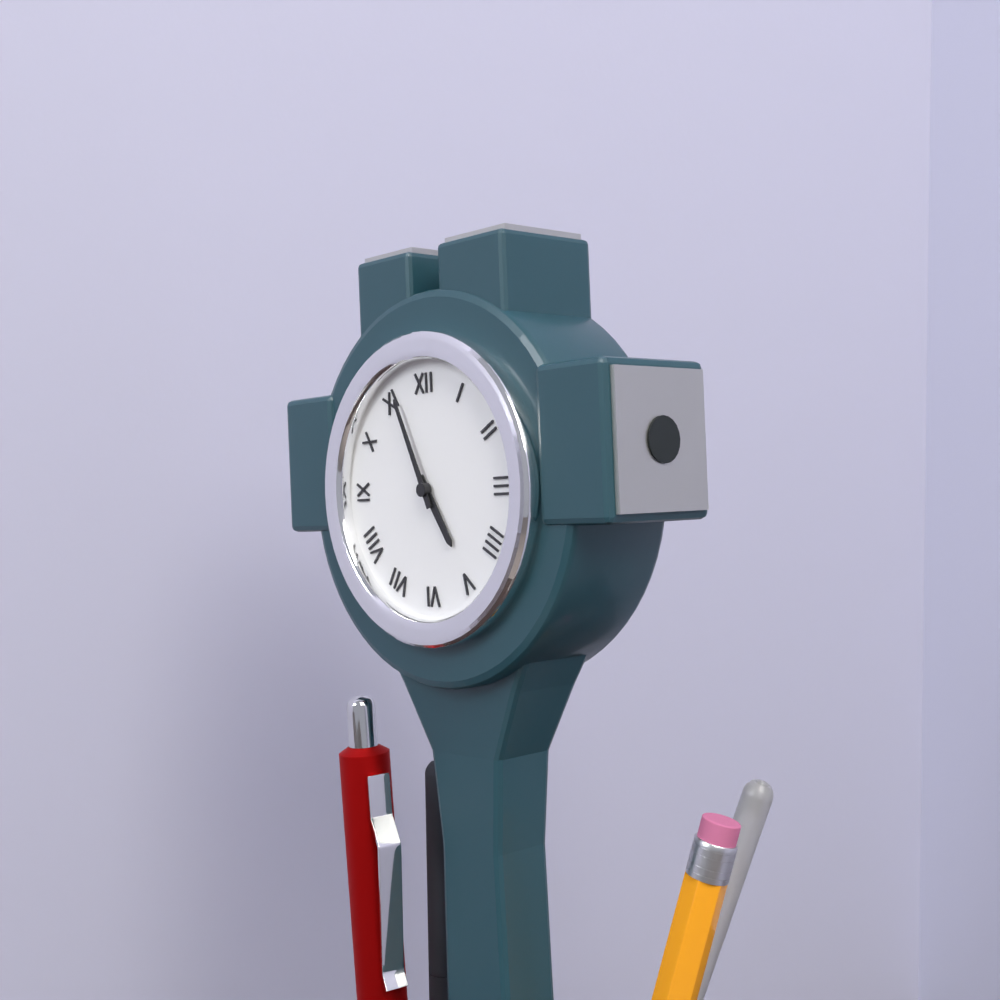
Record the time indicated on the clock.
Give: 4:56
